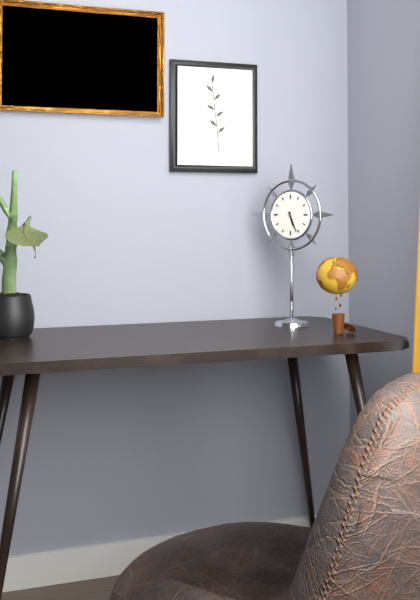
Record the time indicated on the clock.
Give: 5:26
